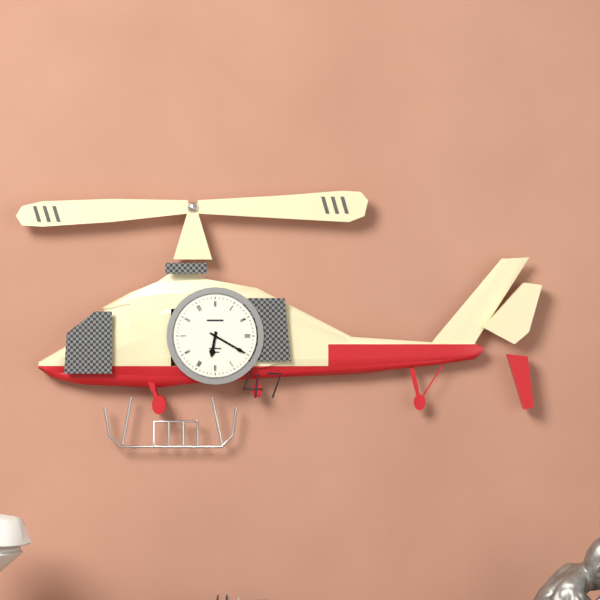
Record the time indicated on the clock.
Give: 6:20
